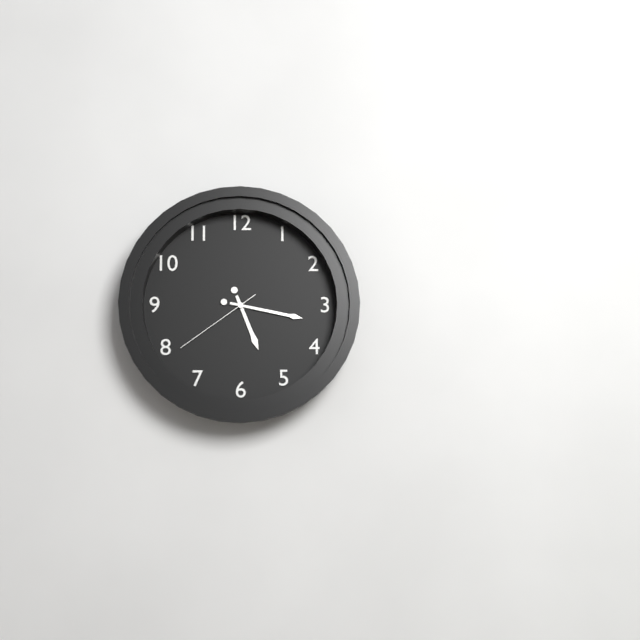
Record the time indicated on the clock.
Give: 5:17:39
